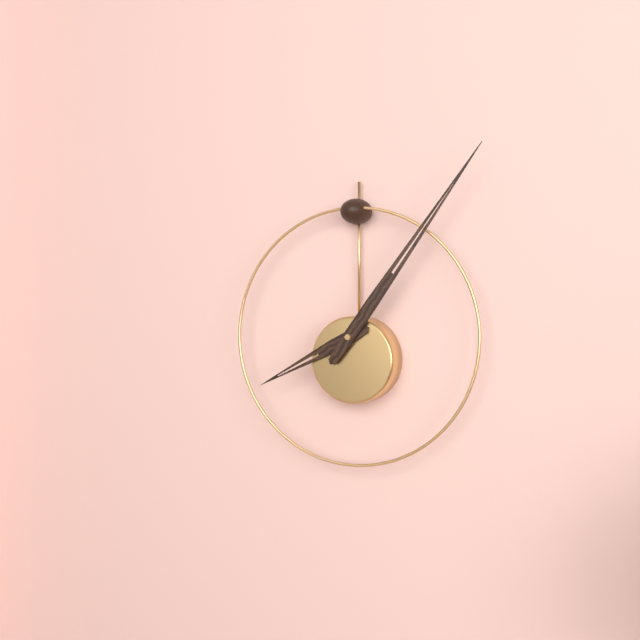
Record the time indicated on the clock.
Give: 8:06
